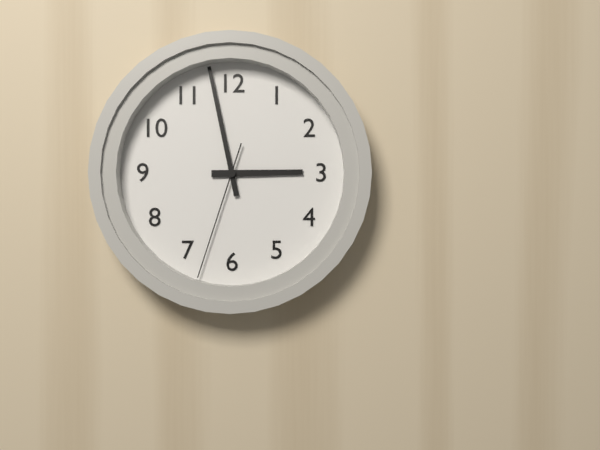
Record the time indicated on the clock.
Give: 2:58:33
